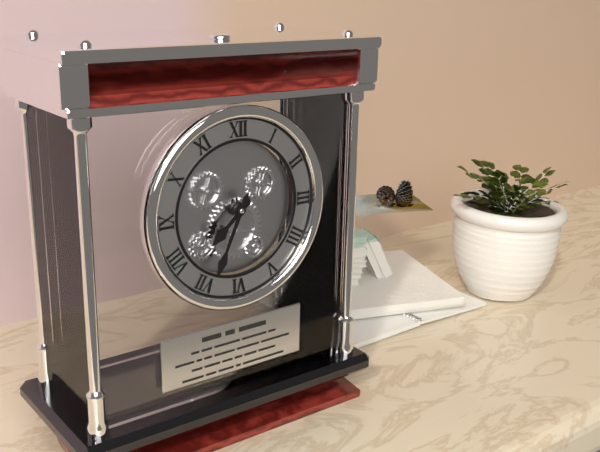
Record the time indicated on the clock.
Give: 7:34
